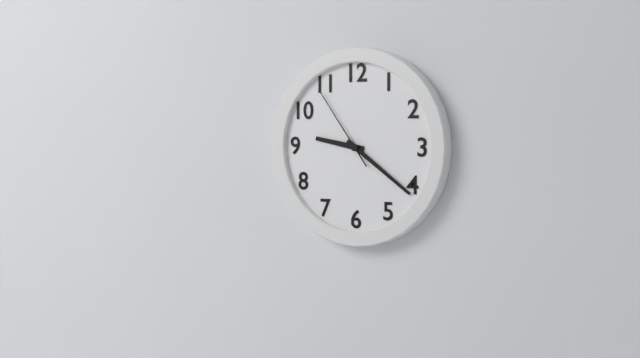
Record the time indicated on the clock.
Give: 9:21:54
